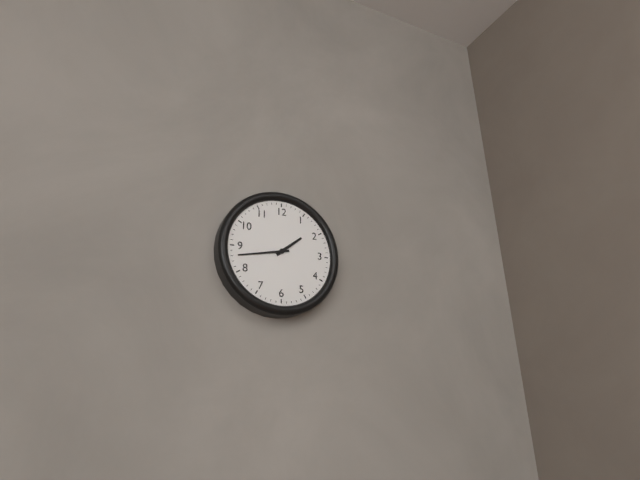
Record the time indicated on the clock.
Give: 1:43
